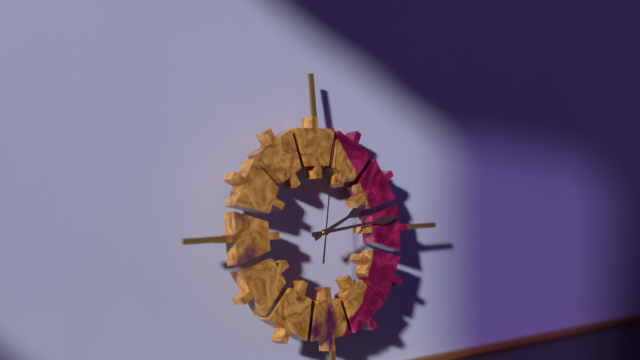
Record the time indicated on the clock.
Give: 2:14:02
